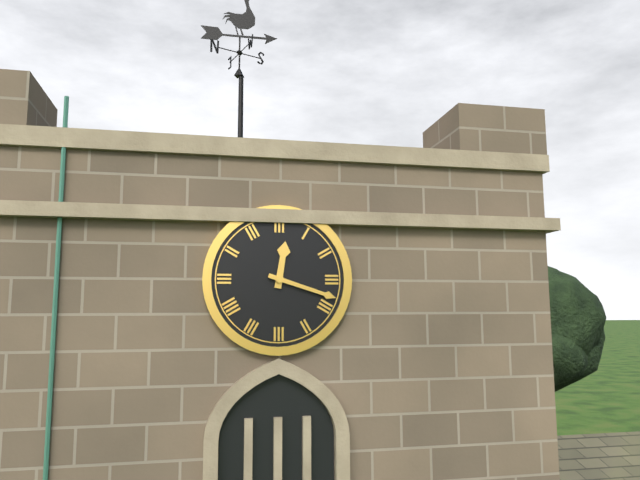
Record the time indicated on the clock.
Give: 12:18
